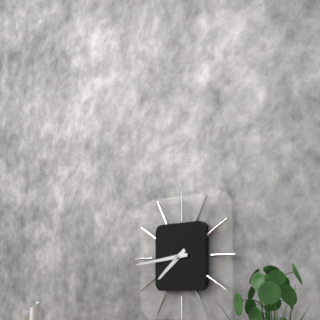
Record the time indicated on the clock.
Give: 7:44
